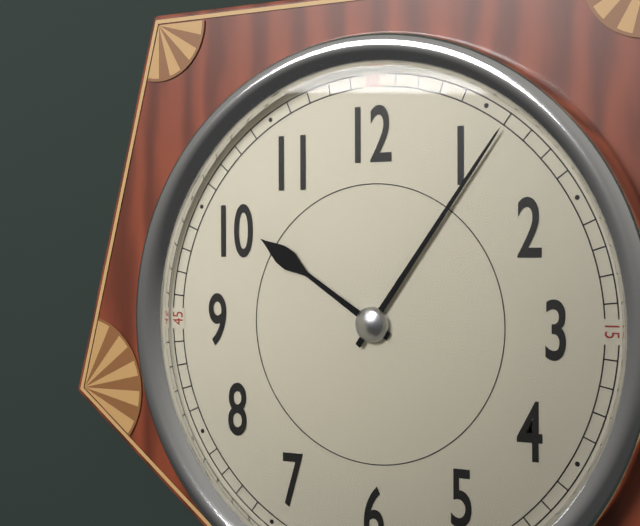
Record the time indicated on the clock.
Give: 10:06
